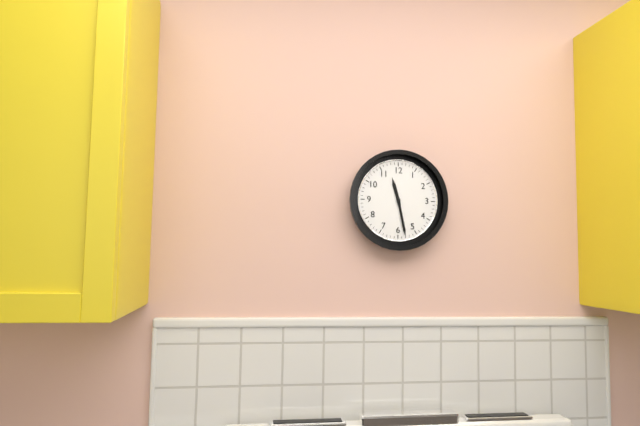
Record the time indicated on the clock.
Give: 11:28
